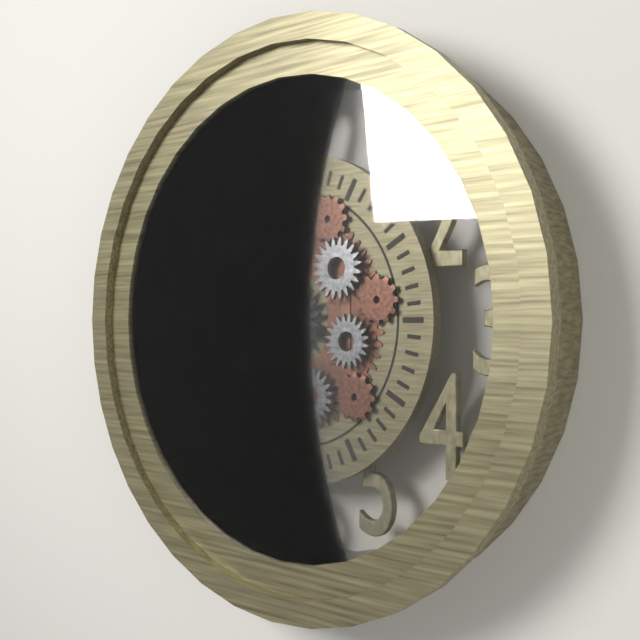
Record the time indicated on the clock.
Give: 10:48
